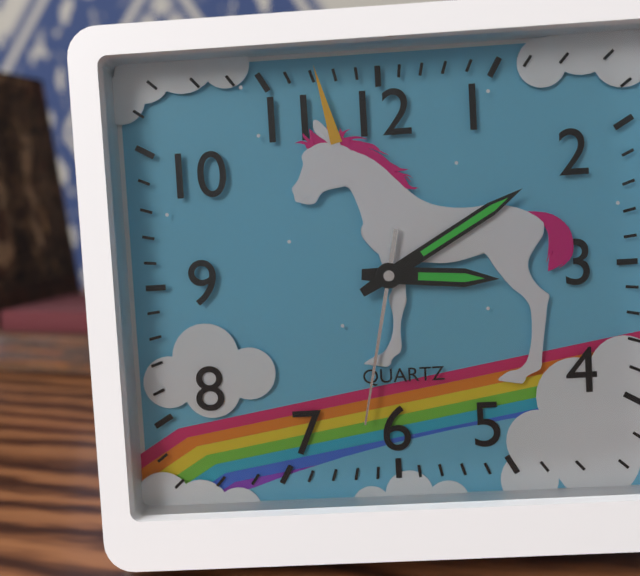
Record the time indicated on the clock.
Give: 3:10:32
